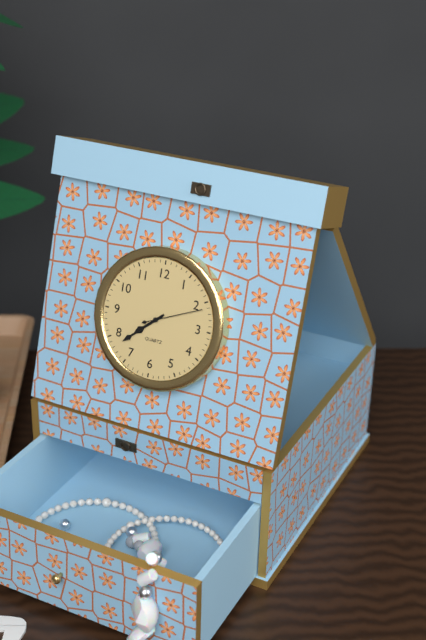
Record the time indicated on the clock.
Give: 7:38:11
